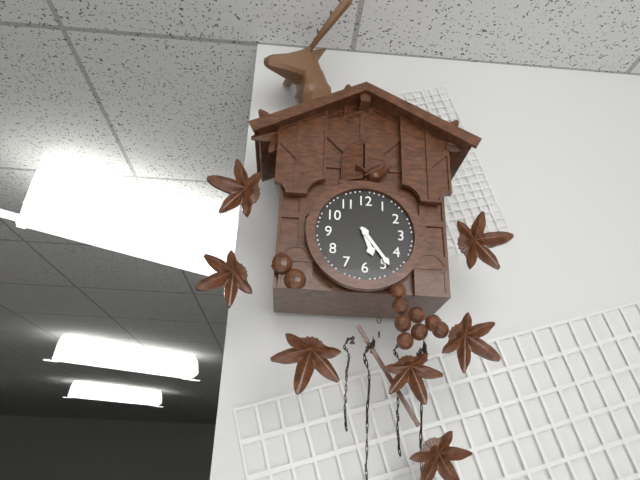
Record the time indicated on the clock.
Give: 5:24
